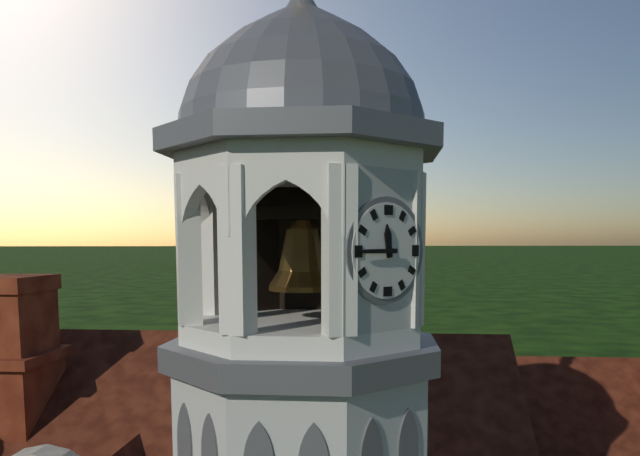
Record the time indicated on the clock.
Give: 11:45
